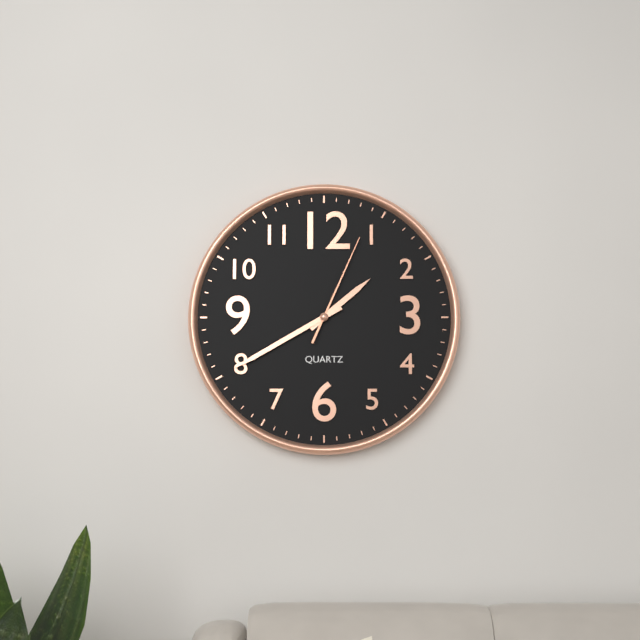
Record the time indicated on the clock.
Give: 1:40:04
